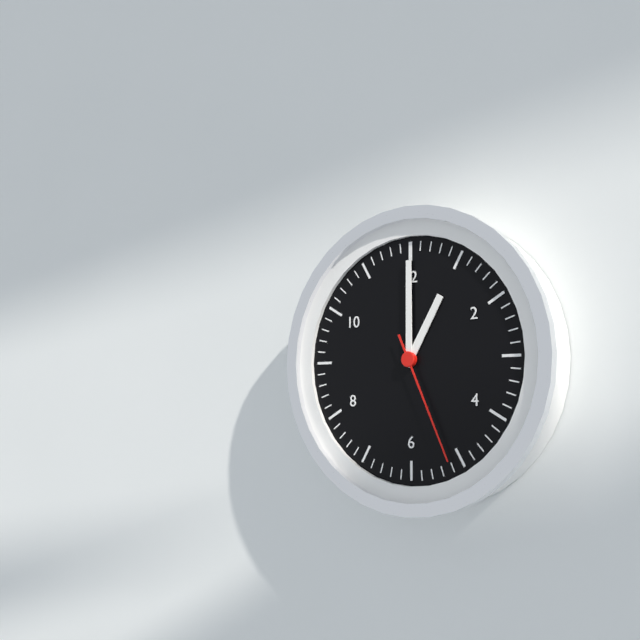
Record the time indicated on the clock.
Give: 1:00:26
